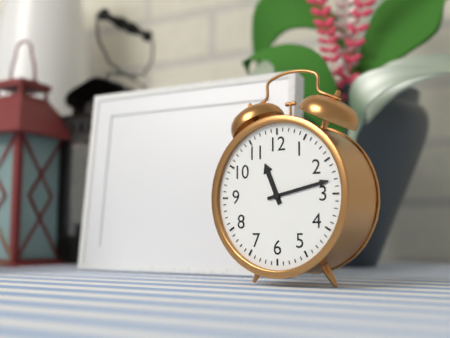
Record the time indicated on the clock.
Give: 11:13
